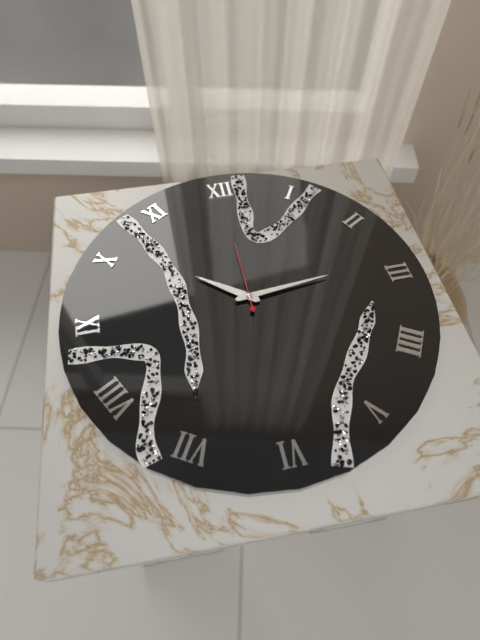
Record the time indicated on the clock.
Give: 10:14:00
